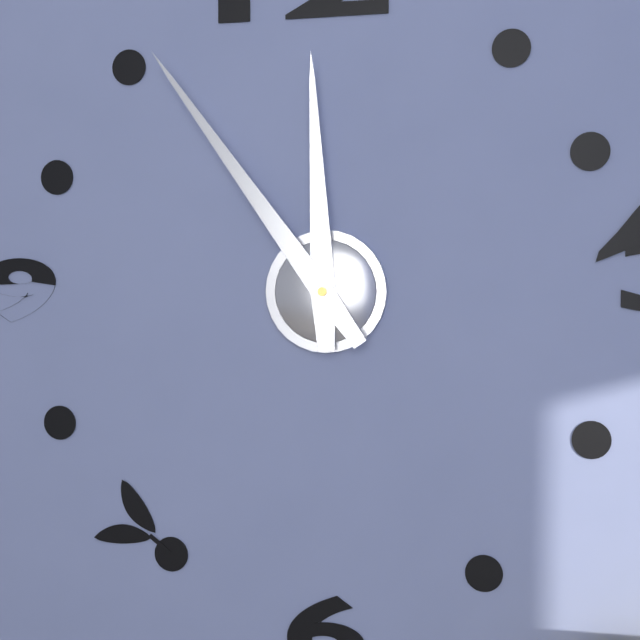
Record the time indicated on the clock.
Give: 11:54
